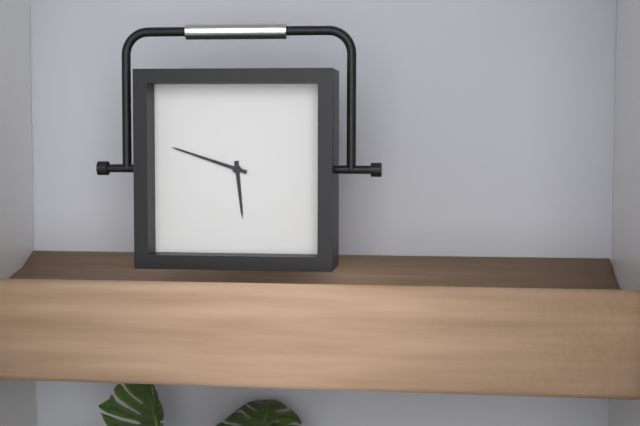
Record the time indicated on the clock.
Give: 5:48
